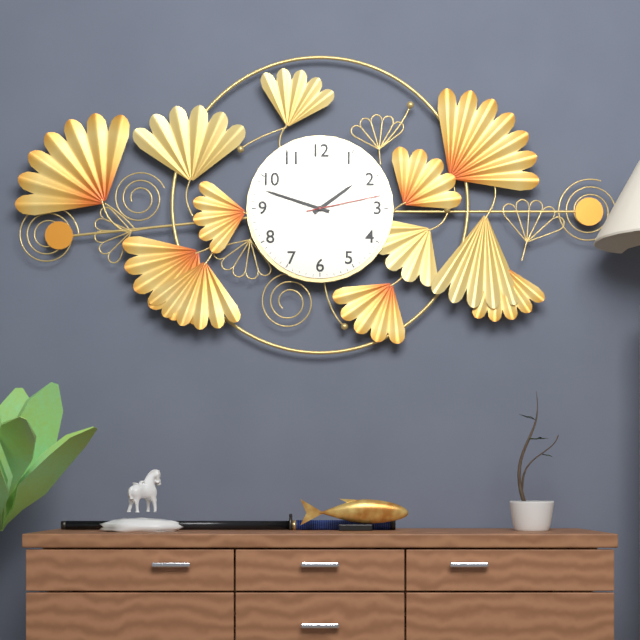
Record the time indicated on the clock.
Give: 1:48:13
